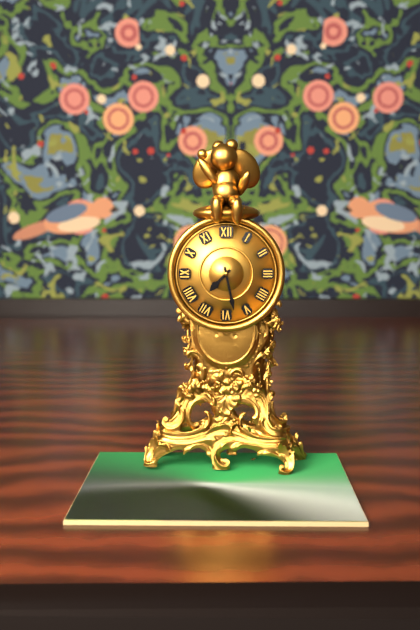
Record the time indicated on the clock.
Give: 7:28
